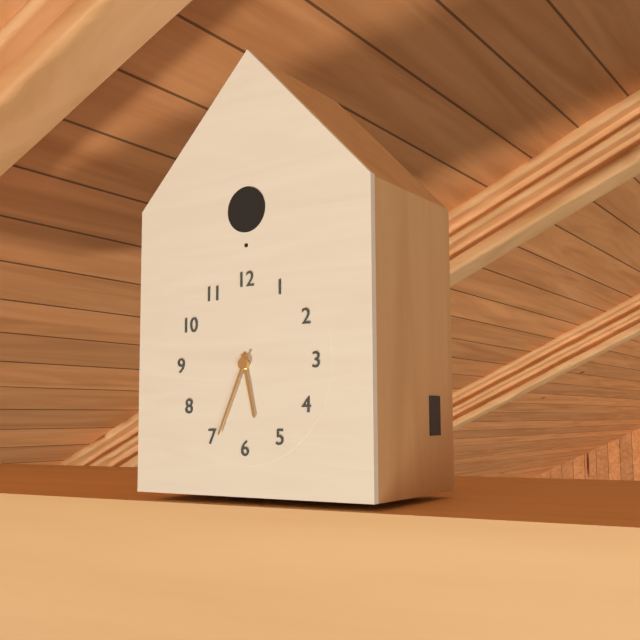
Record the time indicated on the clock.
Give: 5:34
